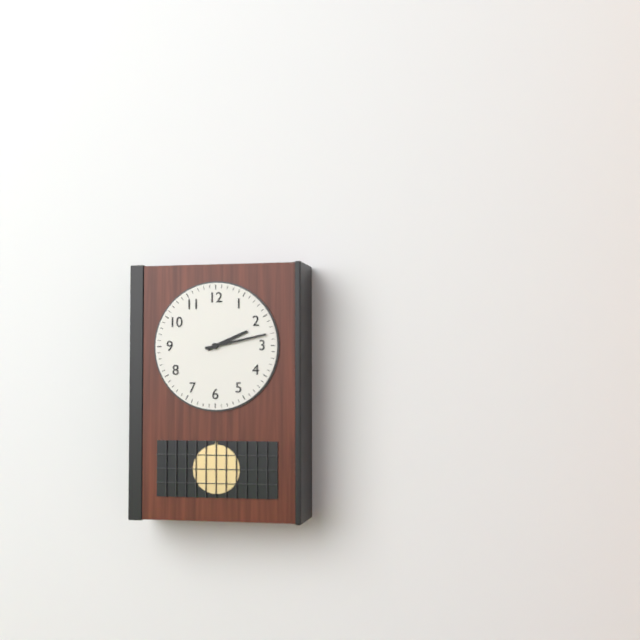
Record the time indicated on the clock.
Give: 2:13
